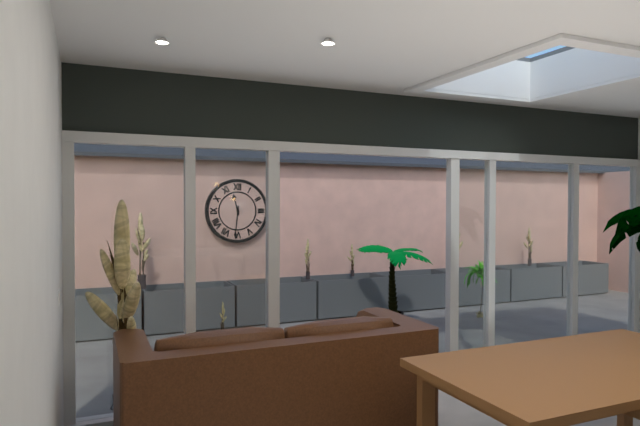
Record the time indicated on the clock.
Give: 11:31
